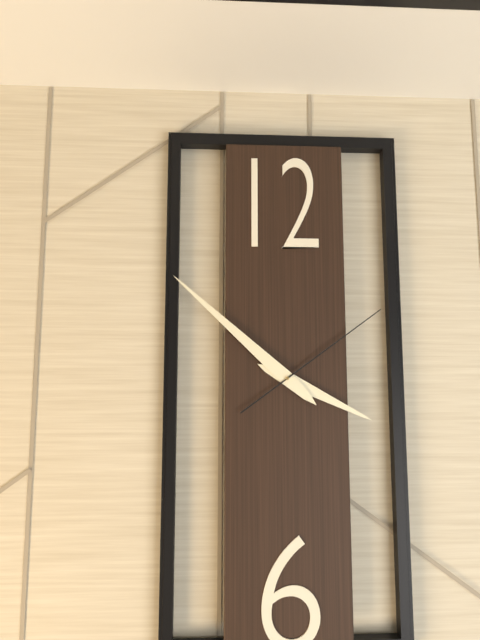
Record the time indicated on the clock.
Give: 3:52:09
